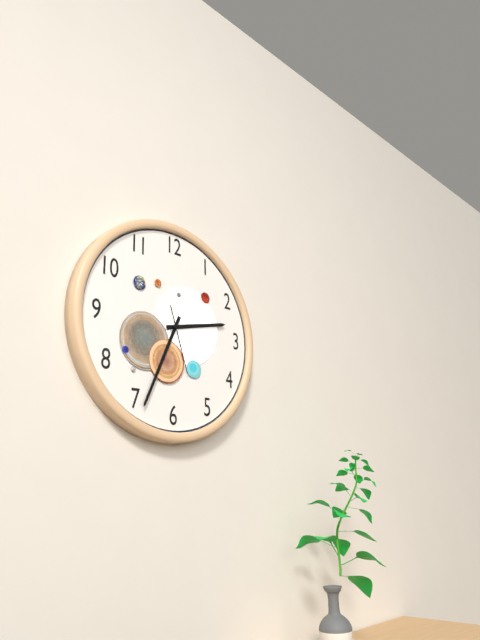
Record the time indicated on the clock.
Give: 2:34:27
